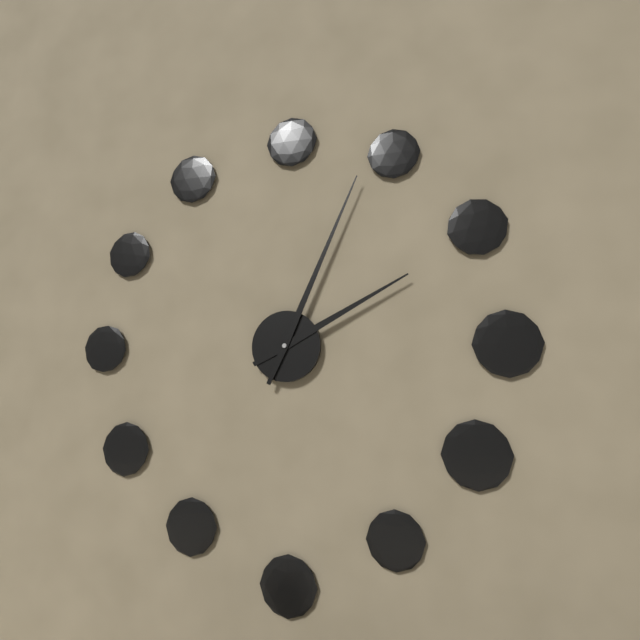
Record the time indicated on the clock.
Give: 2:04
